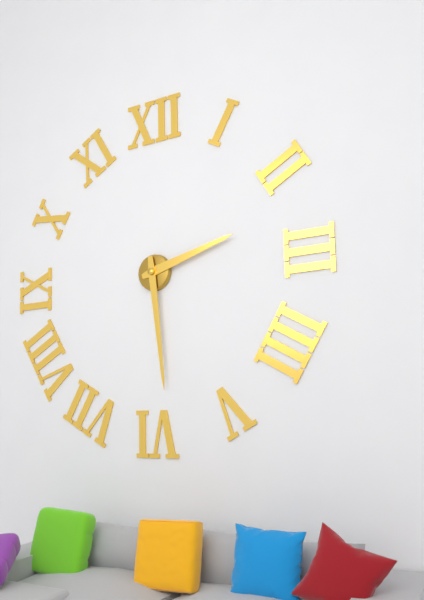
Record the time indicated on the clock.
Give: 2:29
